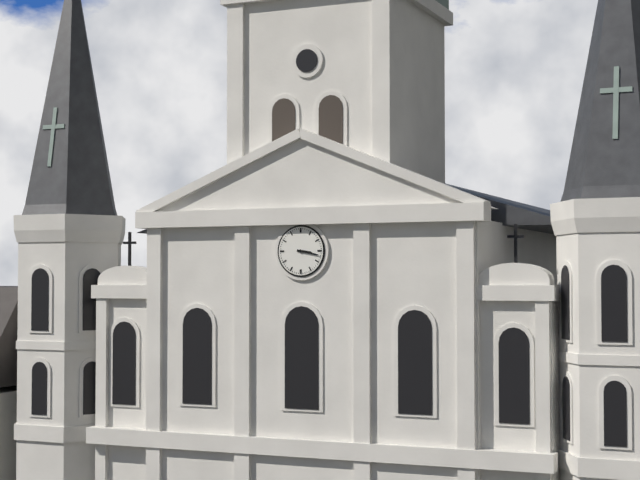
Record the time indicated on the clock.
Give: 3:17
